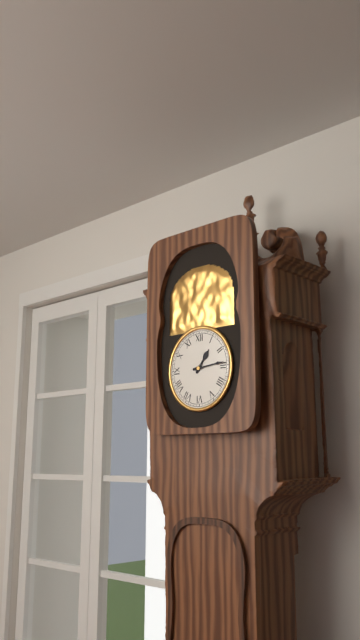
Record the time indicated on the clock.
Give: 1:14
